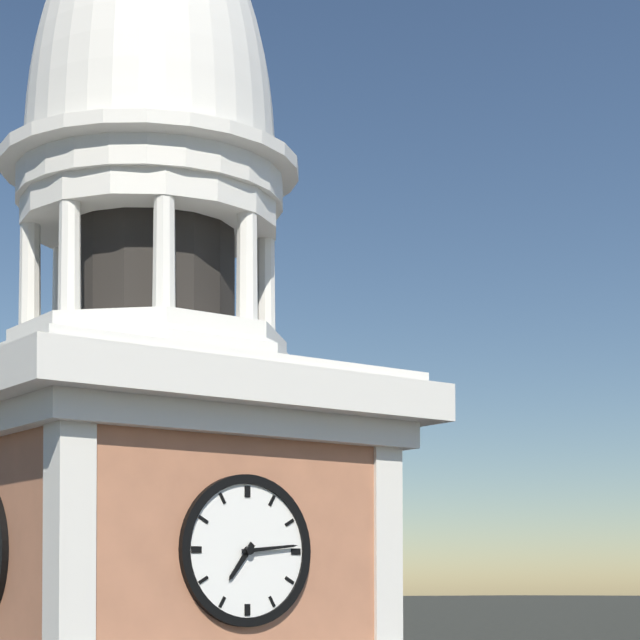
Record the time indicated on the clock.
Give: 7:14
